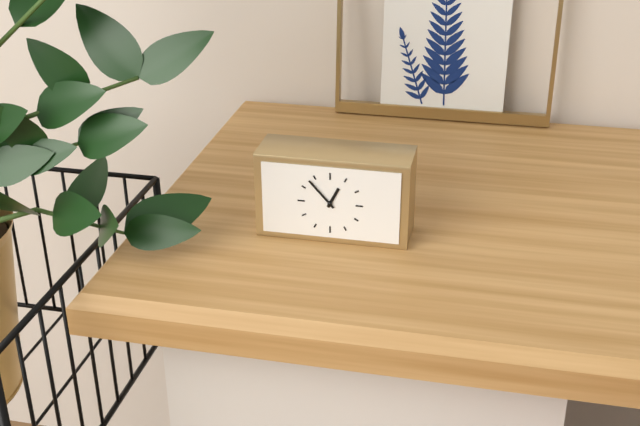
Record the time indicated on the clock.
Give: 12:53
